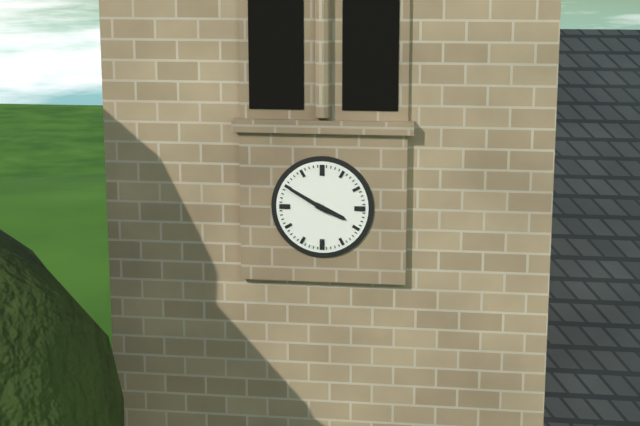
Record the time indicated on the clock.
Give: 3:50
